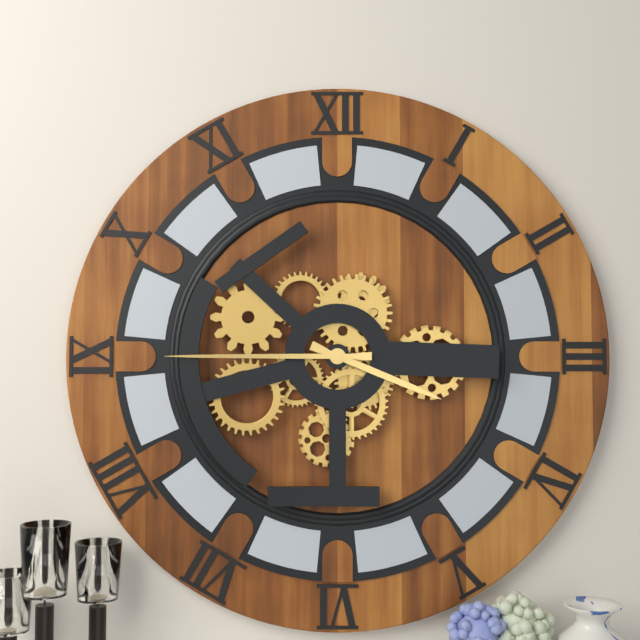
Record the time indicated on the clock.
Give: 3:45
